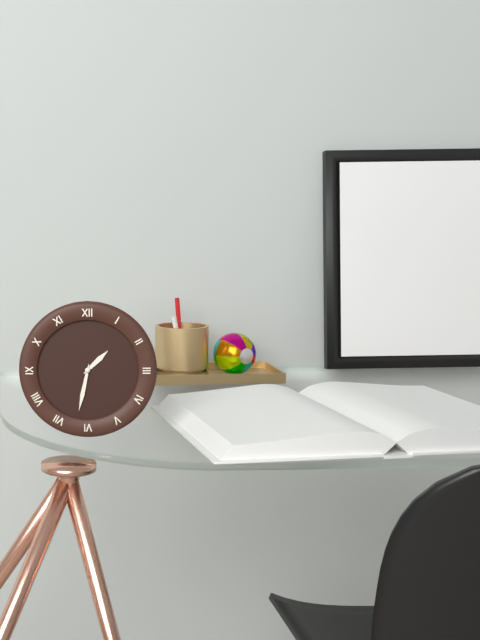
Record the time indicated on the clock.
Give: 1:32
